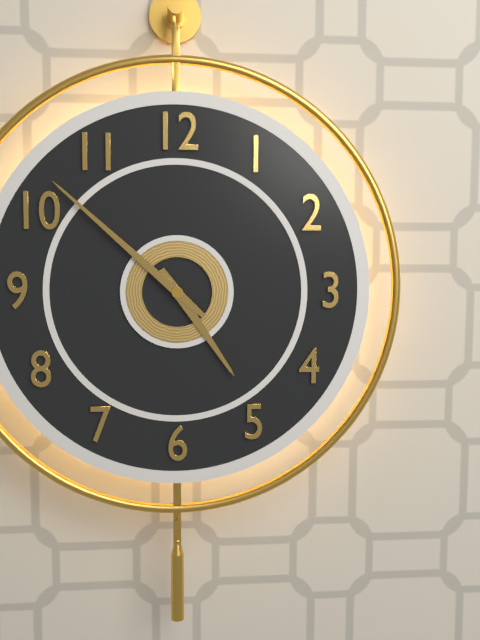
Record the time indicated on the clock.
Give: 4:52
